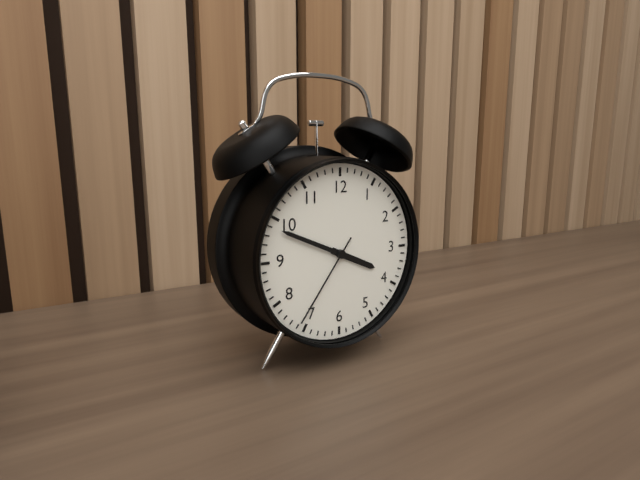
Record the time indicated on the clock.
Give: 3:49:36
